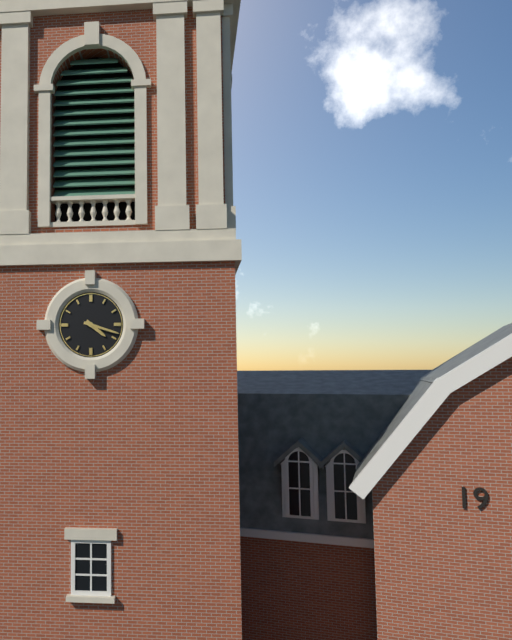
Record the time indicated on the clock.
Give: 4:18
